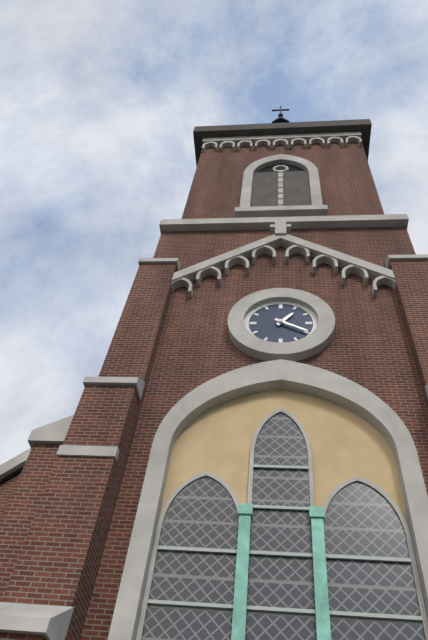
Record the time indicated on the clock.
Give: 1:20
